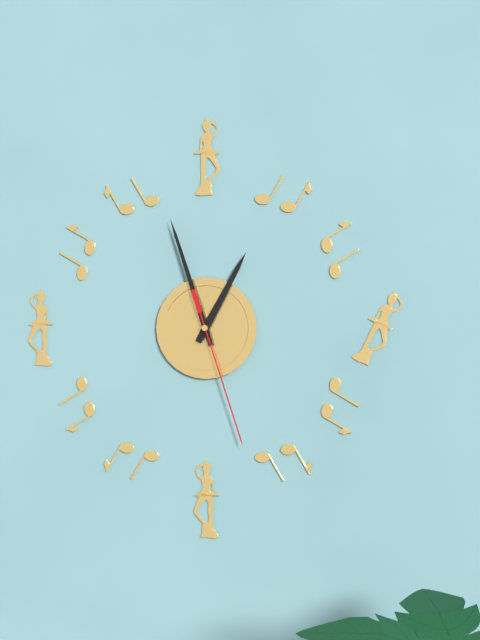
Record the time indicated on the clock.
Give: 12:57:27
